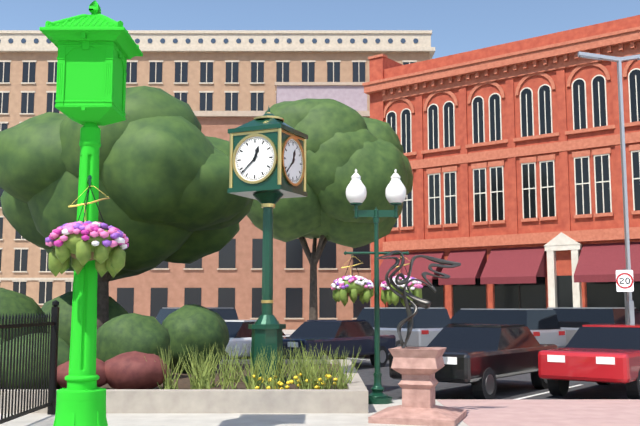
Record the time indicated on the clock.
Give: 12:38
